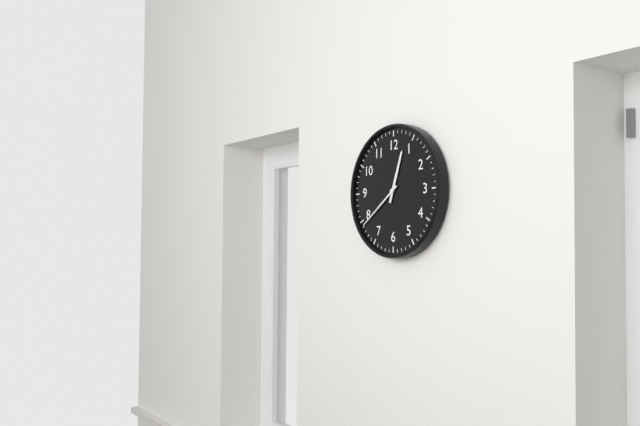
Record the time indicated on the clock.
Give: 12:39
